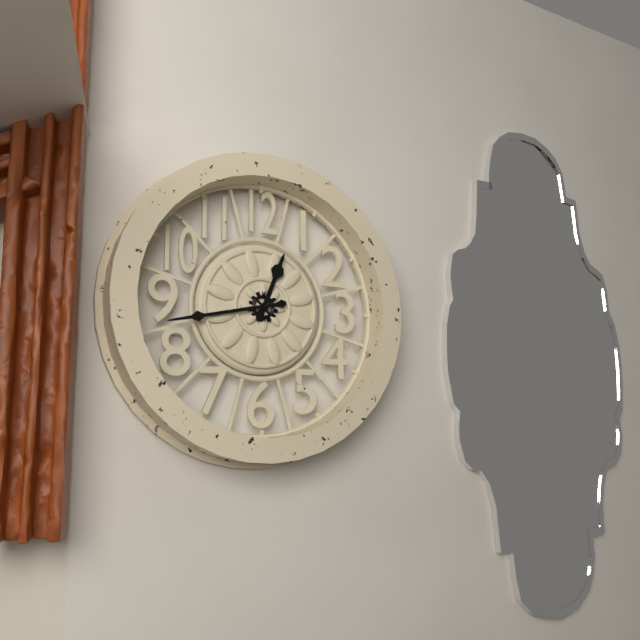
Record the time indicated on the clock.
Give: 12:43
